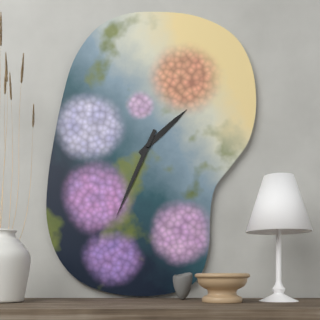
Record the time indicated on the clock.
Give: 1:34
